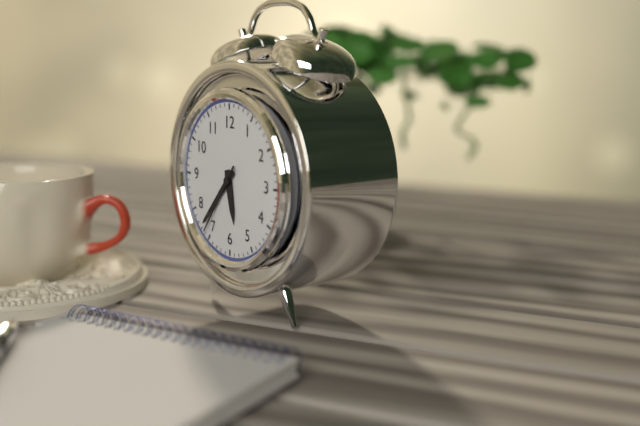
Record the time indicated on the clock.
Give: 5:37:36
